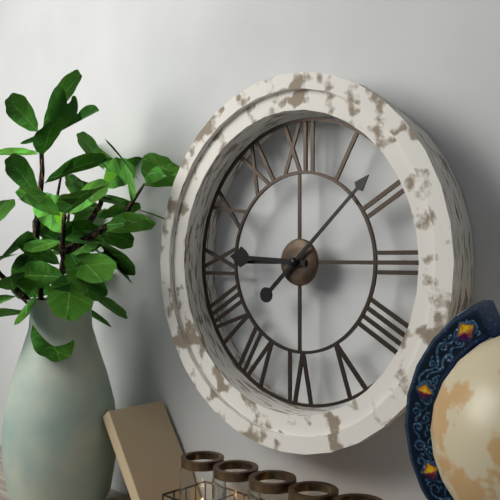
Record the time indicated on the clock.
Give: 9:08
